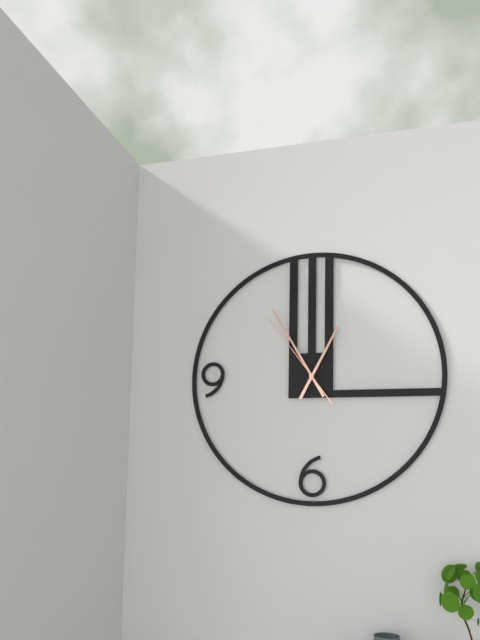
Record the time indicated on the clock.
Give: 12:55:54
